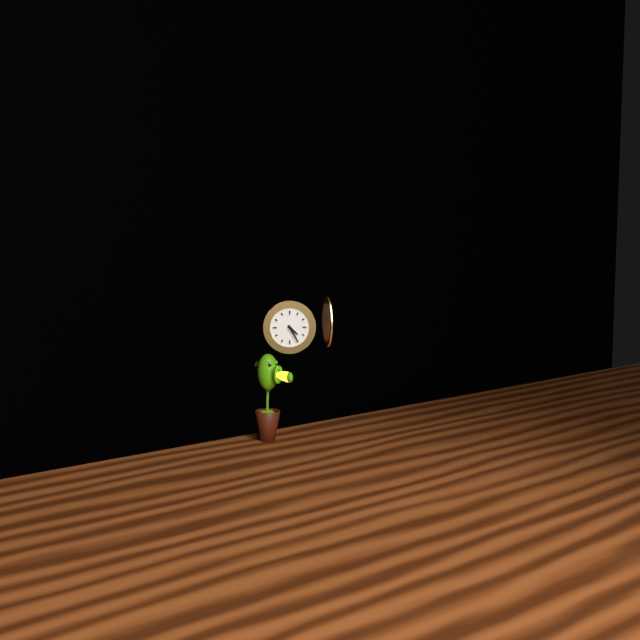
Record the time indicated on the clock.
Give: 4:25
